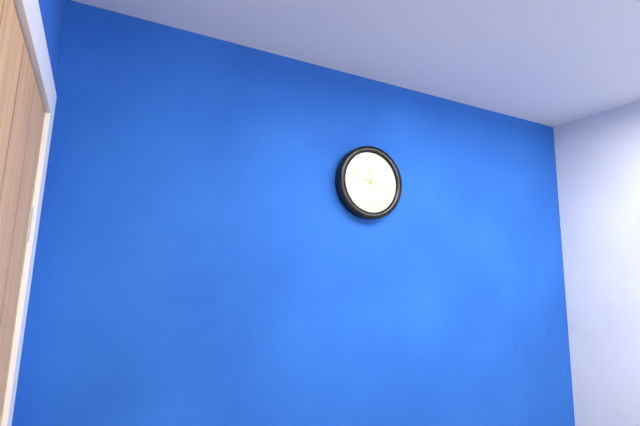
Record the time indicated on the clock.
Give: 11:48
